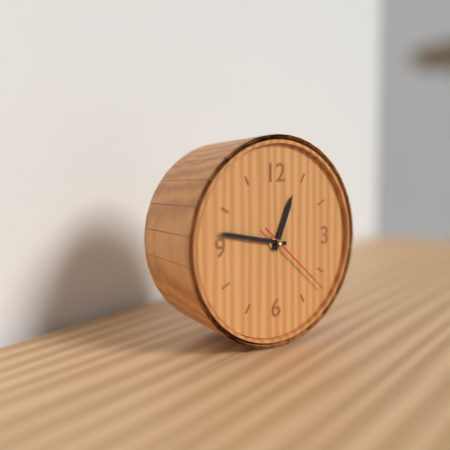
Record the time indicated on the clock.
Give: 12:47:22
